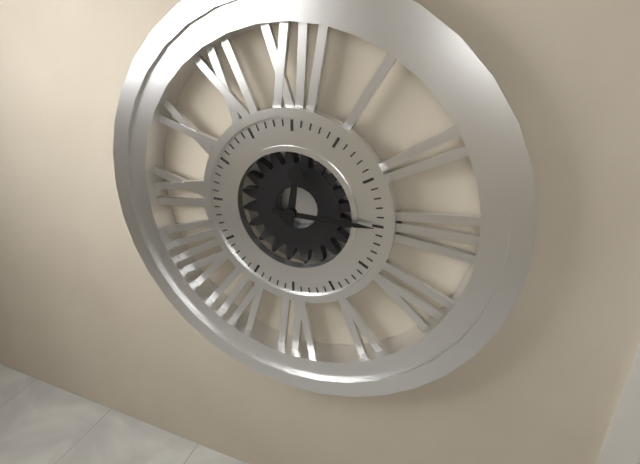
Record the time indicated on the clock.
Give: 12:15
